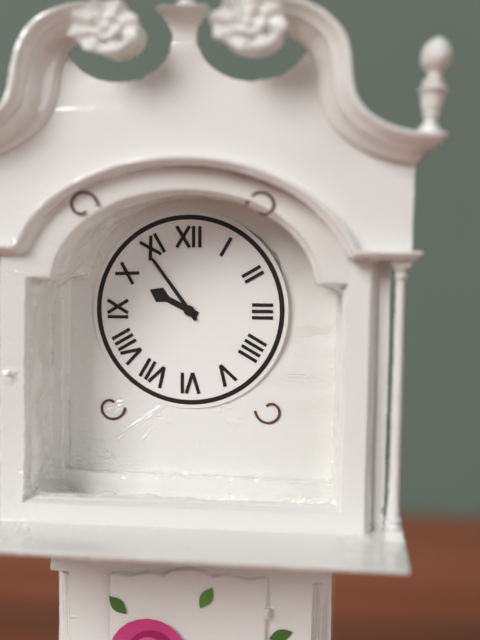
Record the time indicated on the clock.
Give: 9:54
